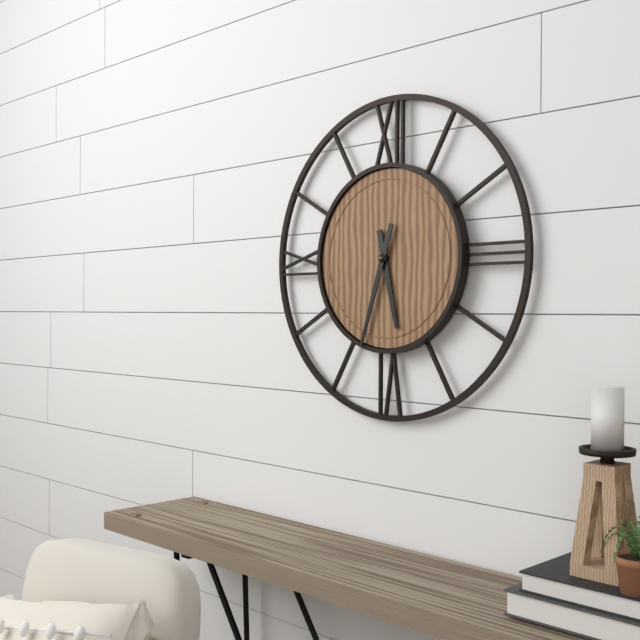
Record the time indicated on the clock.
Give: 5:33
